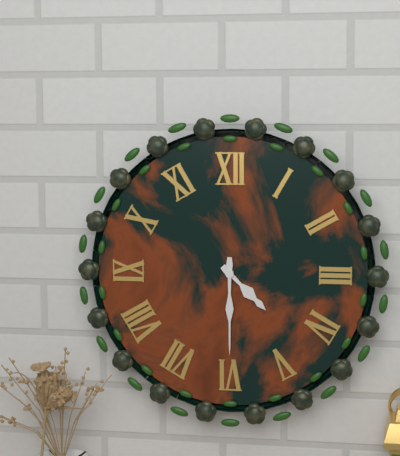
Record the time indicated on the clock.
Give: 4:30
